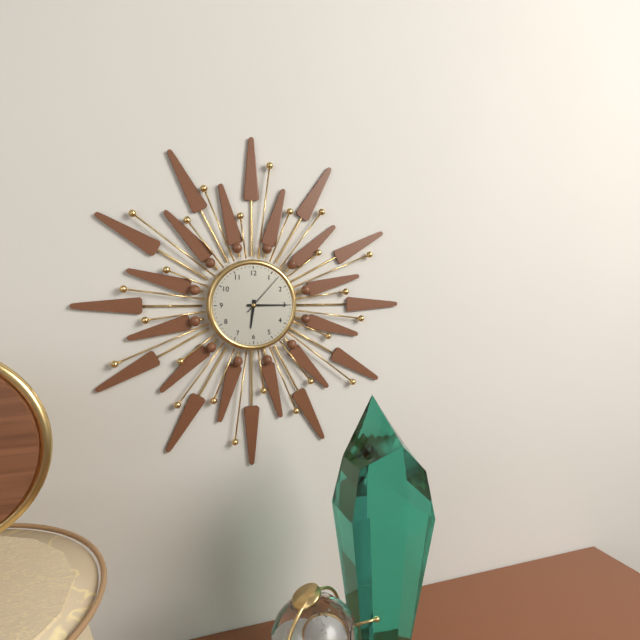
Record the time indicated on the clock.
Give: 6:15
